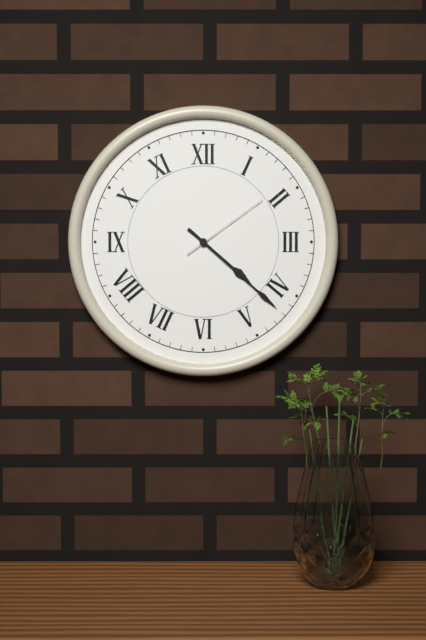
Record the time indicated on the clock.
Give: 4:22:09
